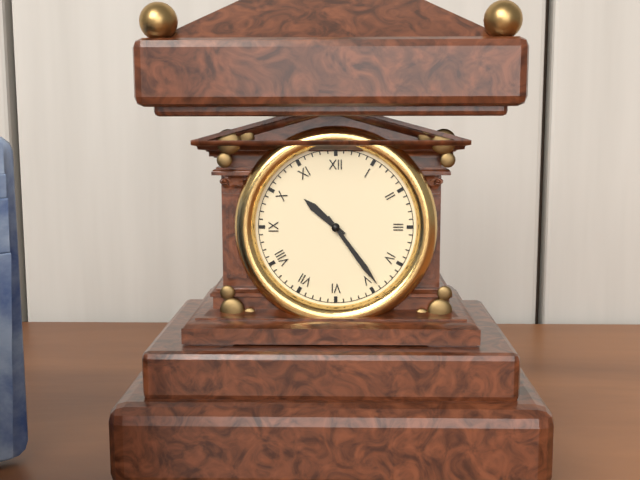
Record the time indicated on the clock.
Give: 10:24
